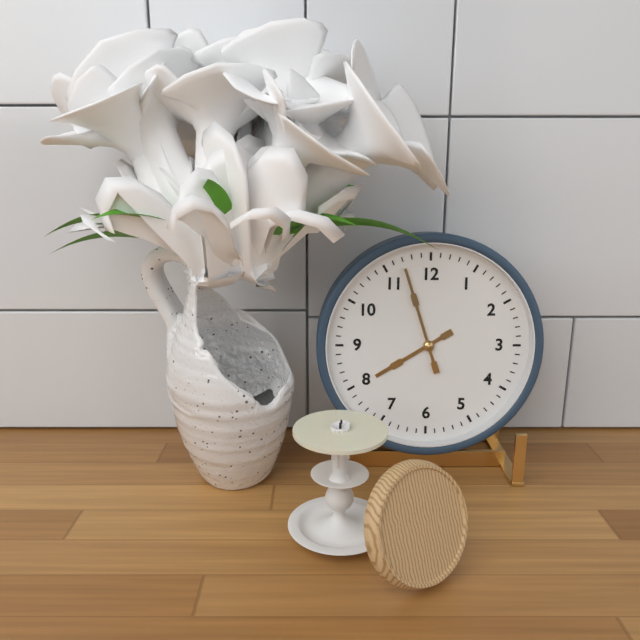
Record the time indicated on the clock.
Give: 7:57
